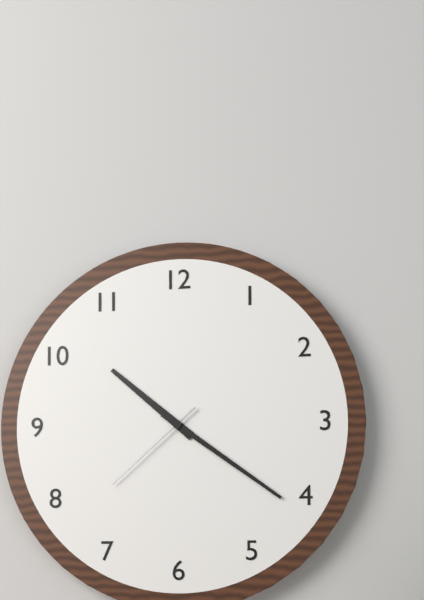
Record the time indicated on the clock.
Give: 10:21:38
